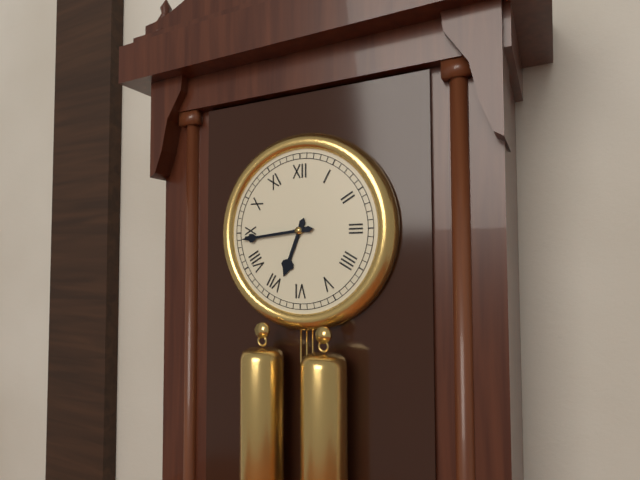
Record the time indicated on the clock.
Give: 6:44
